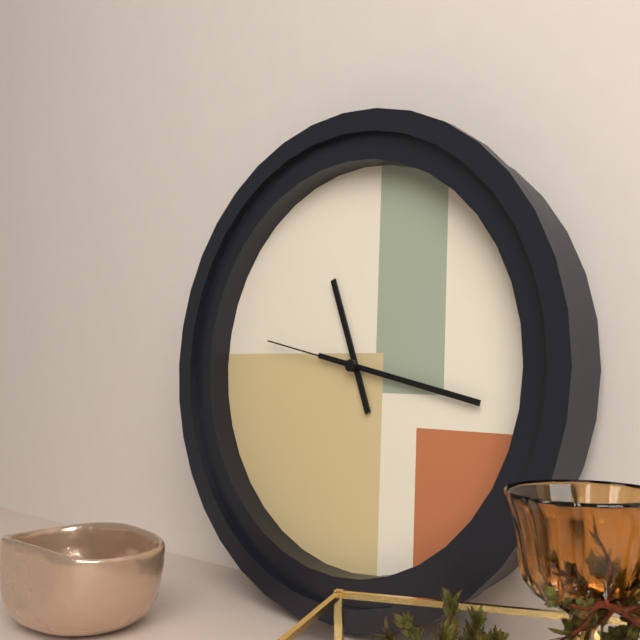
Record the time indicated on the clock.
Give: 11:17:47
